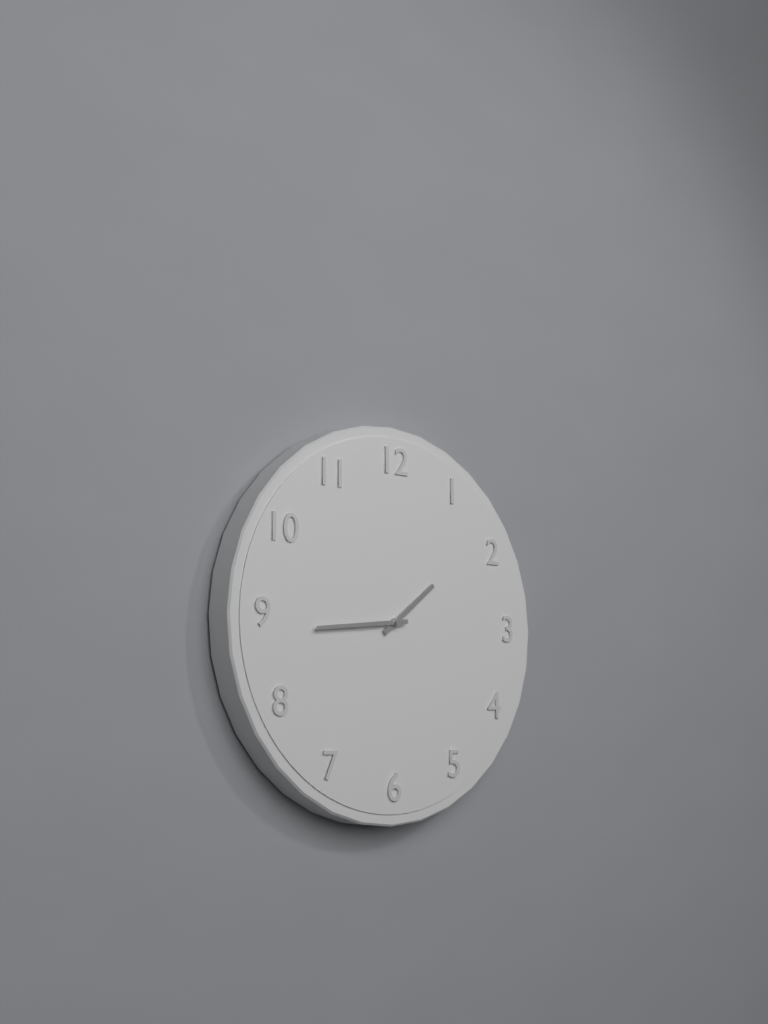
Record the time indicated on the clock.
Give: 1:44
